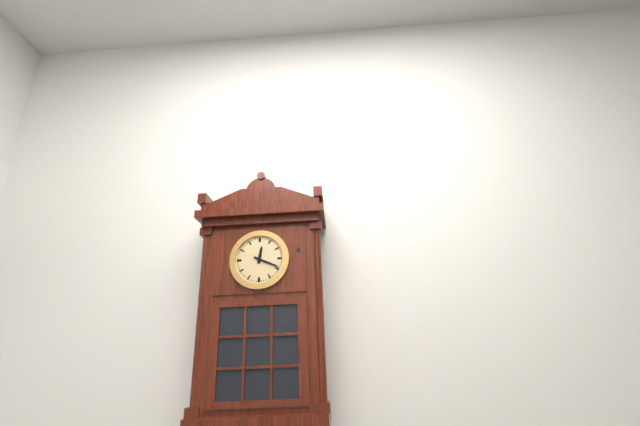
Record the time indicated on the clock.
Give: 12:19
